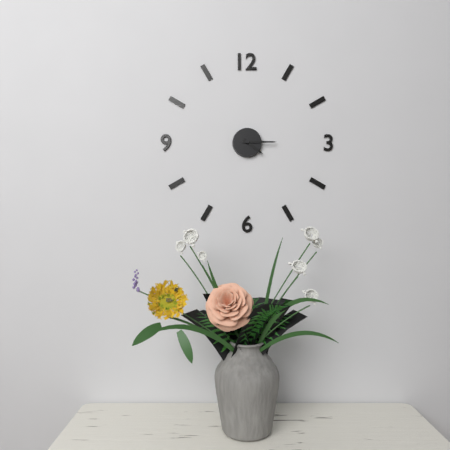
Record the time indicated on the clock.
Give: 4:15
